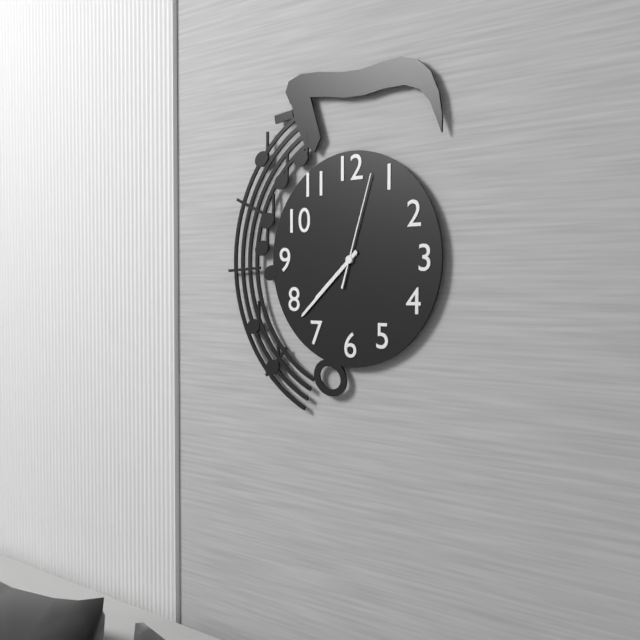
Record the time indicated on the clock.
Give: 7:38:03
